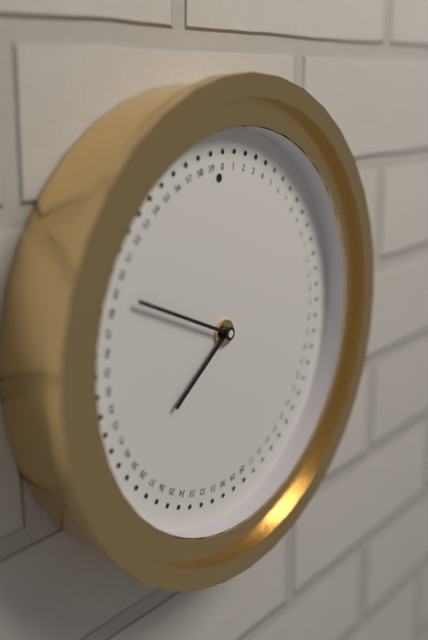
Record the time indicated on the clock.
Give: 7:49
